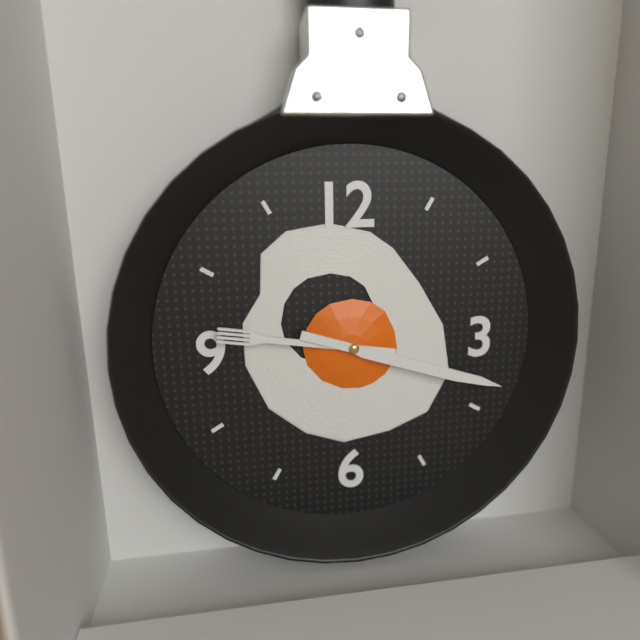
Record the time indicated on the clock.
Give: 9:18
